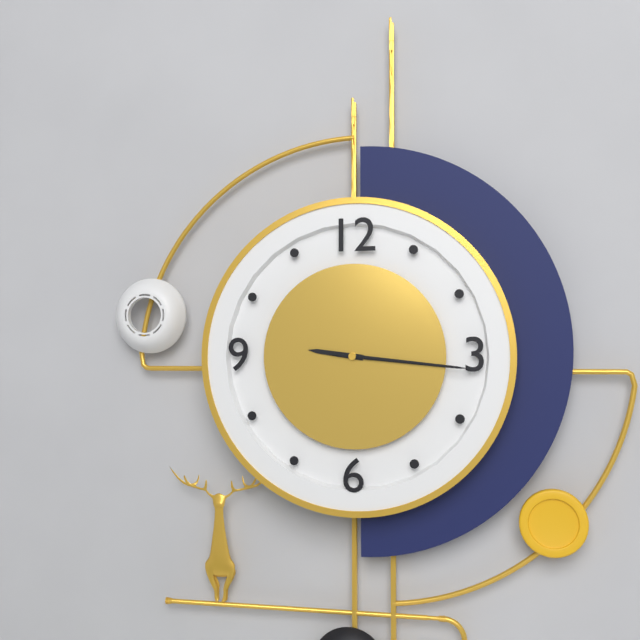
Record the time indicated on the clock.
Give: 9:16:16
